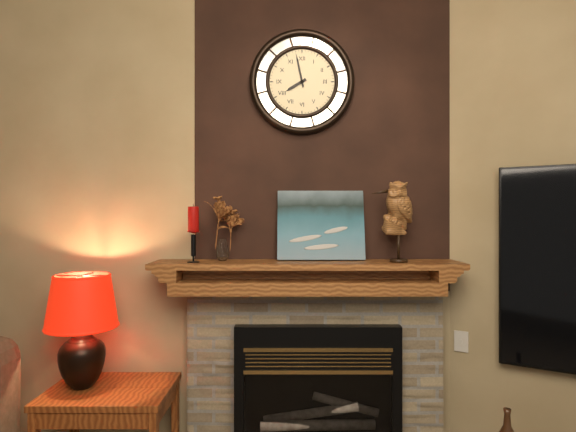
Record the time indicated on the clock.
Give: 7:58
